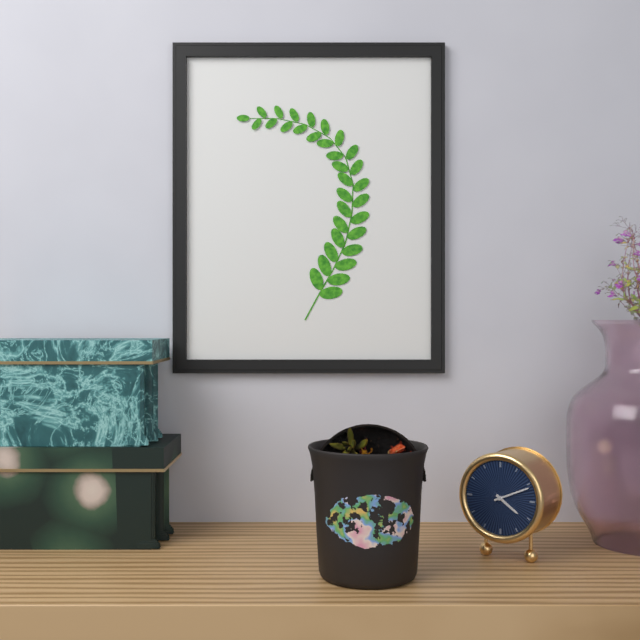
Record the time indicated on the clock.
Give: 4:11
